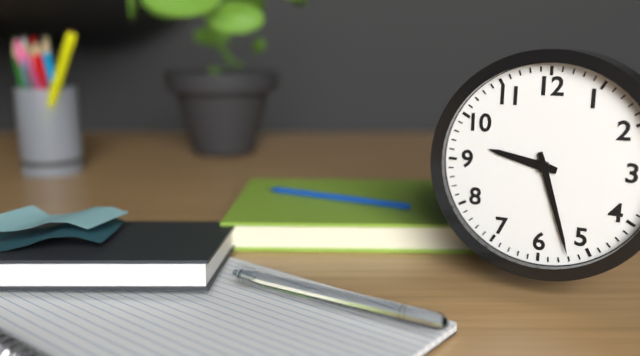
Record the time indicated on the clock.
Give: 9:27
